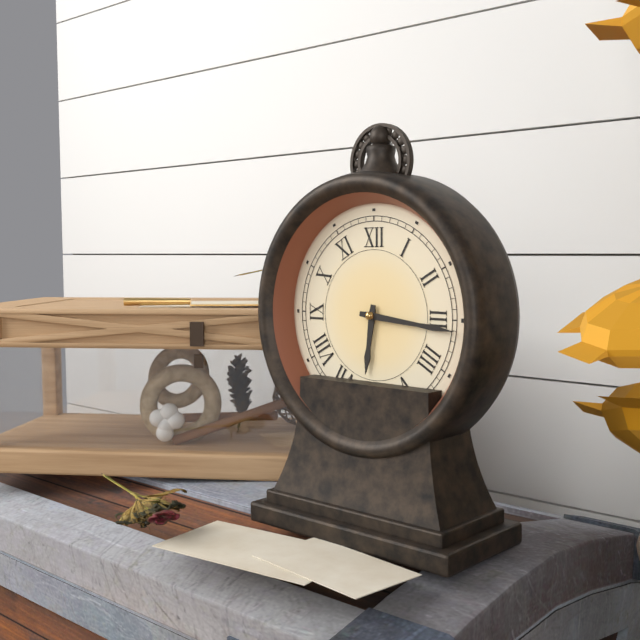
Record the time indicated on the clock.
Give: 6:16
